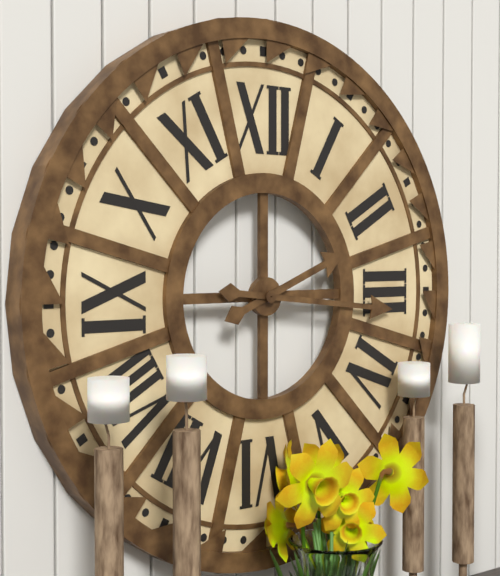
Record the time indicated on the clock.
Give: 2:16
